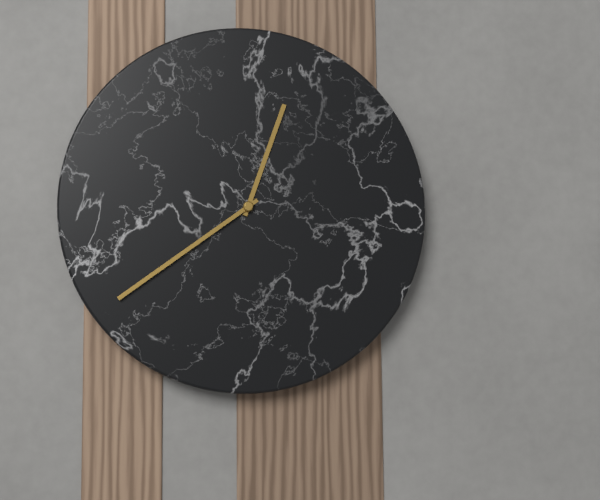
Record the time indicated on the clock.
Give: 12:39
